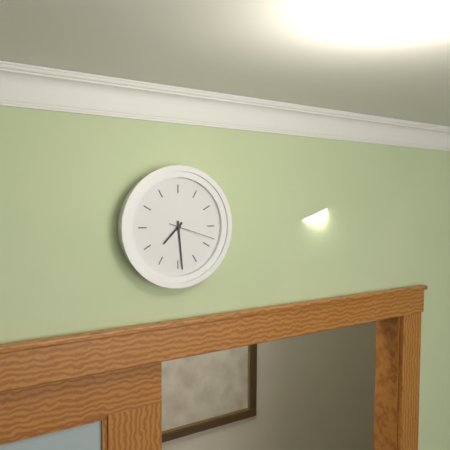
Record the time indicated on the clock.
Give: 7:29
